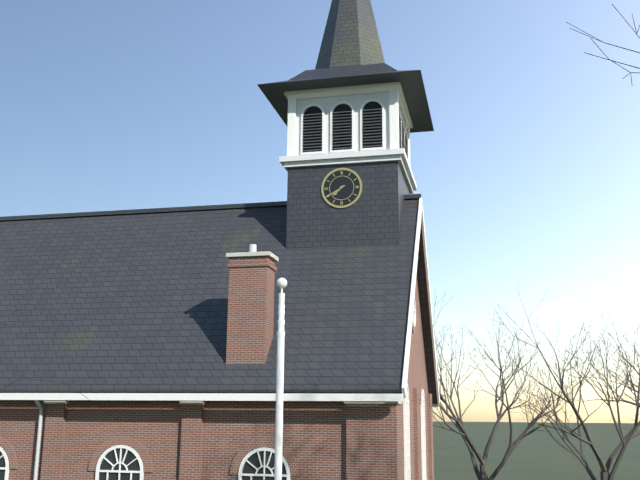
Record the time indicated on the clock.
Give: 7:40
